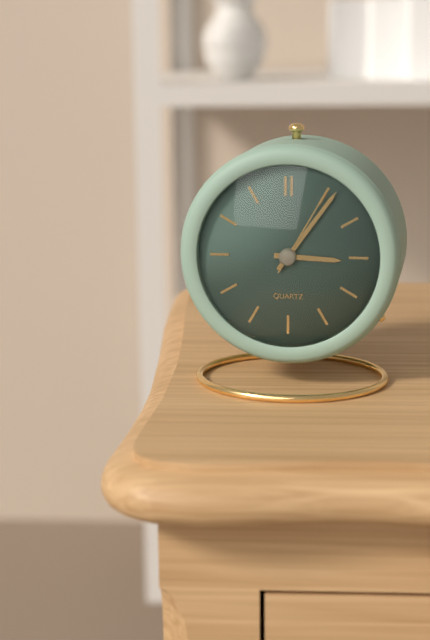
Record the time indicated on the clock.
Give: 3:06:05
